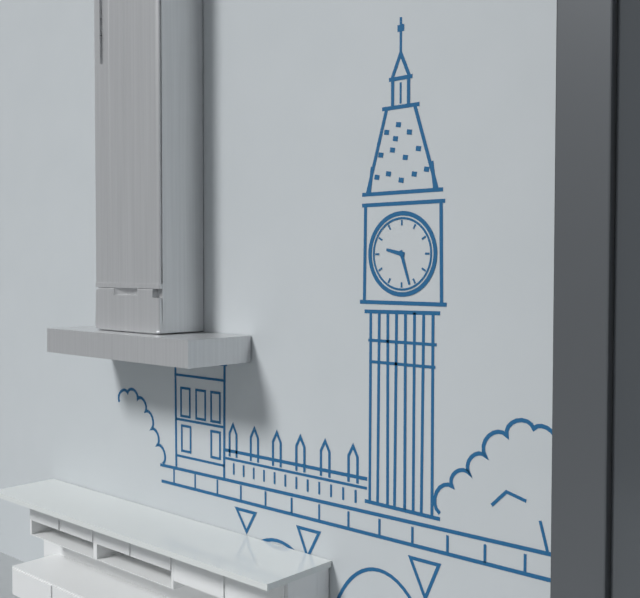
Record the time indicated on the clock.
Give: 9:27
